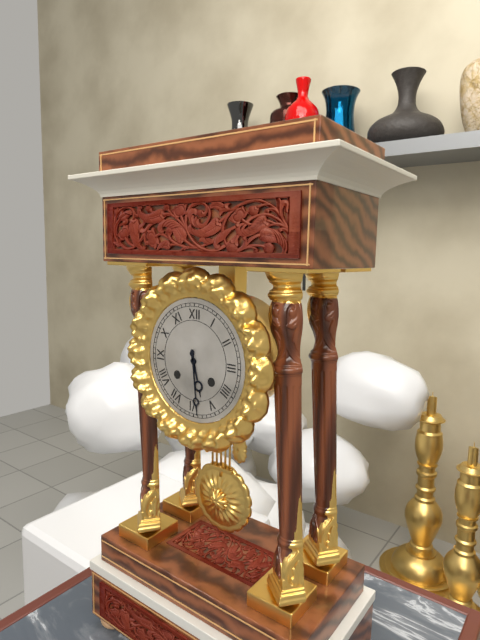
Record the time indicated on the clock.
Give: 5:29
